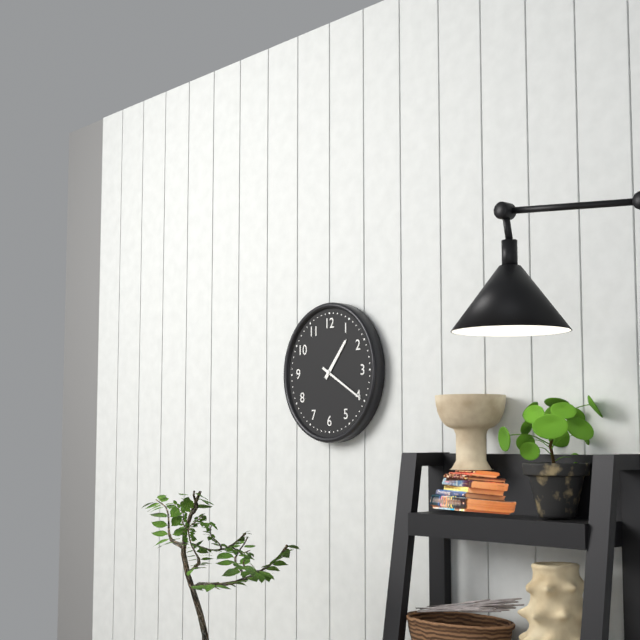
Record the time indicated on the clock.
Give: 1:20
